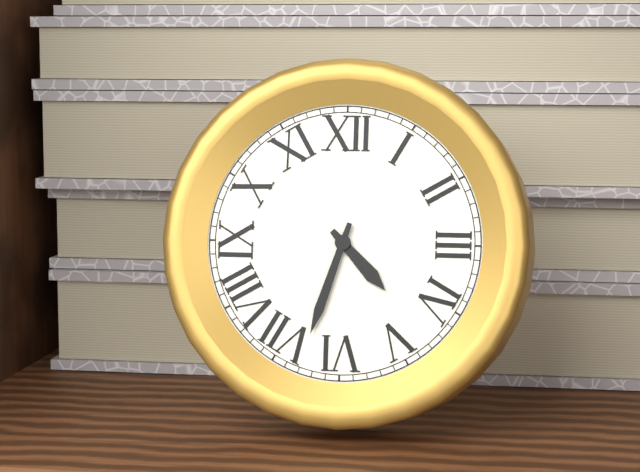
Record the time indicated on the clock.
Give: 4:33
